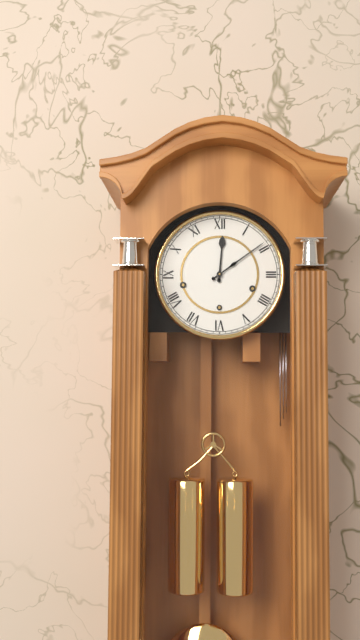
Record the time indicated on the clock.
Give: 12:09
